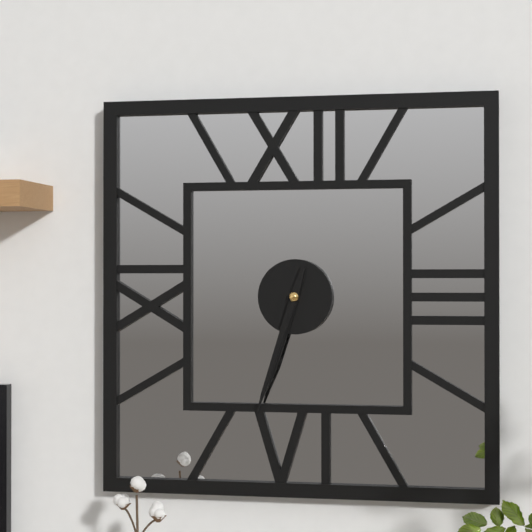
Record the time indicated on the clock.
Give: 6:33
